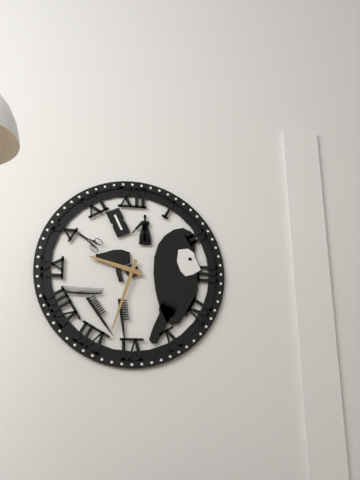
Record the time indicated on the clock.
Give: 9:33
